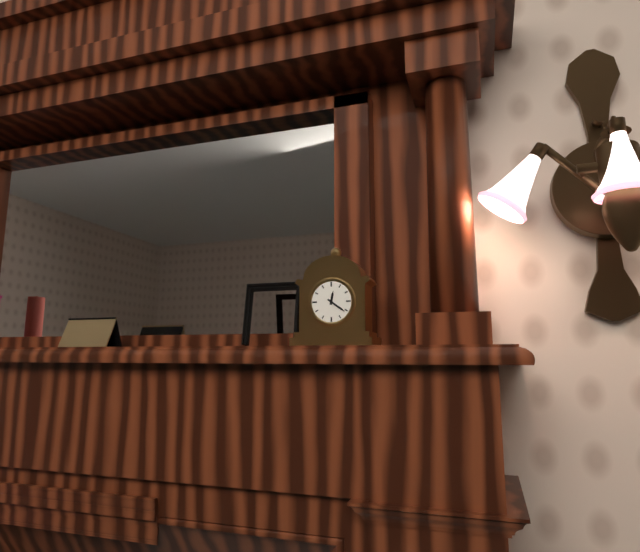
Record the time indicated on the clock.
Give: 12:21
